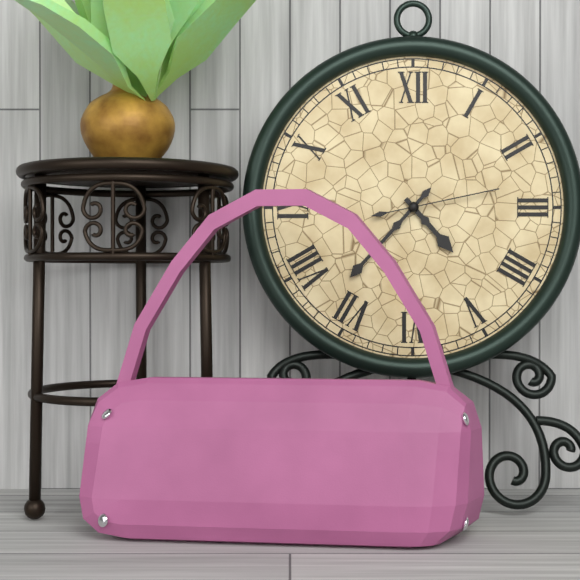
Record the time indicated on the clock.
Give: 4:37:13
